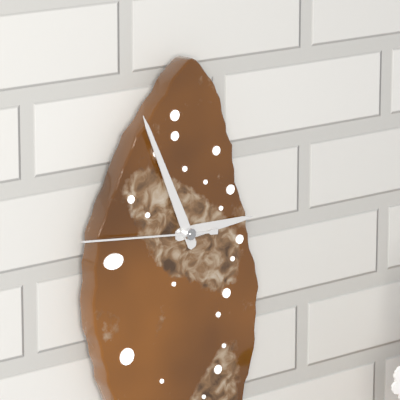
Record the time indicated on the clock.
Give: 2:56:46
